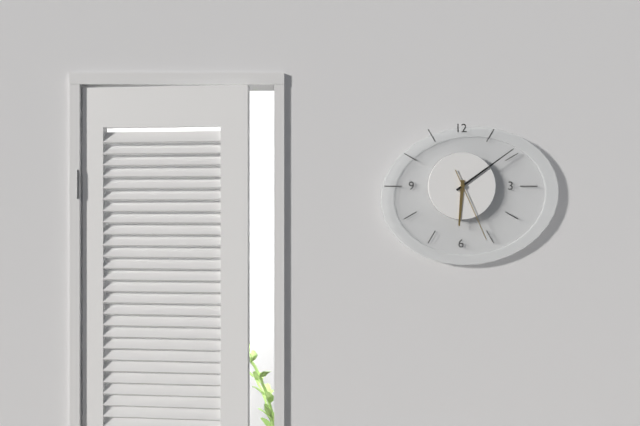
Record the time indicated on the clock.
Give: 6:09:26
